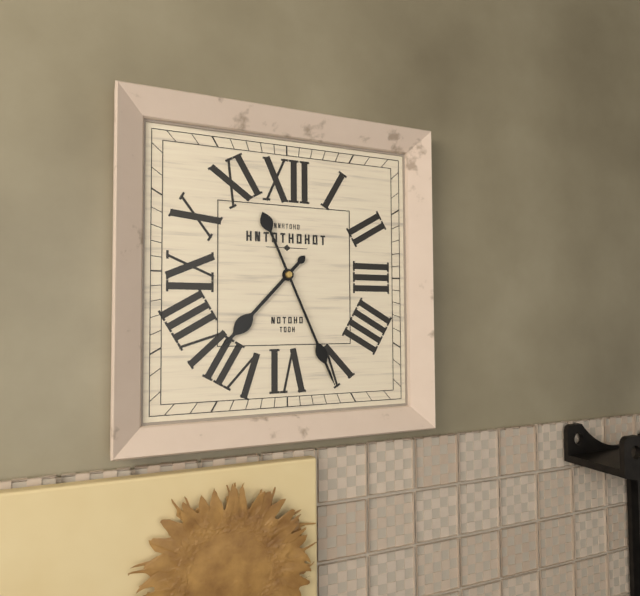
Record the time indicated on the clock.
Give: 7:26
